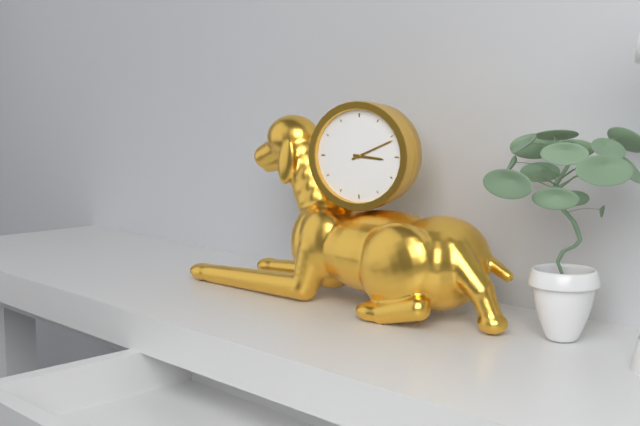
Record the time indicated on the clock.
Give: 3:11
